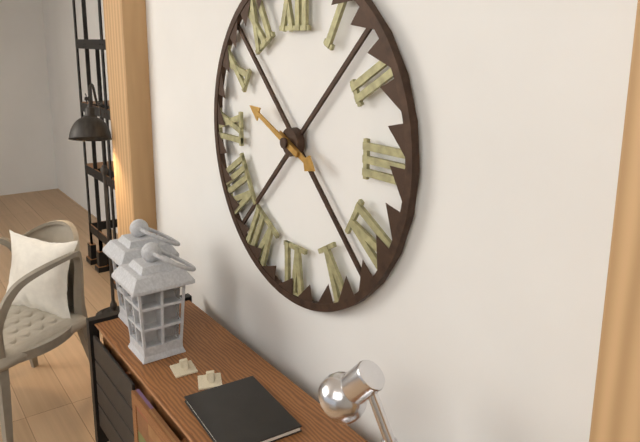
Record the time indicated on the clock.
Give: 3:49
